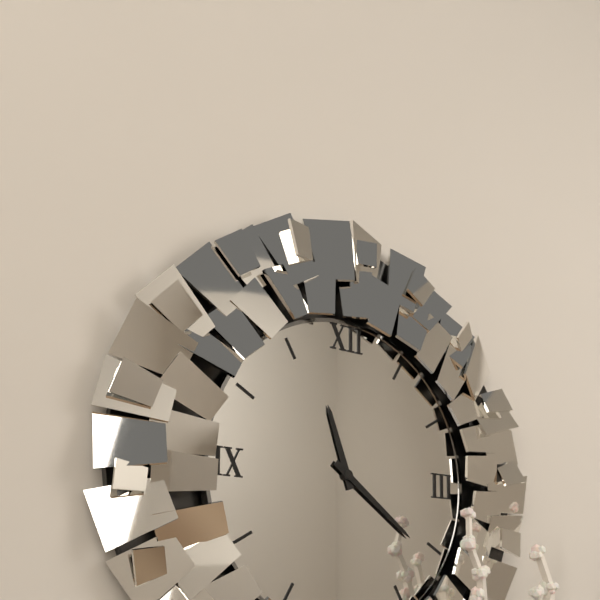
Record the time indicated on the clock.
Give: 11:21
